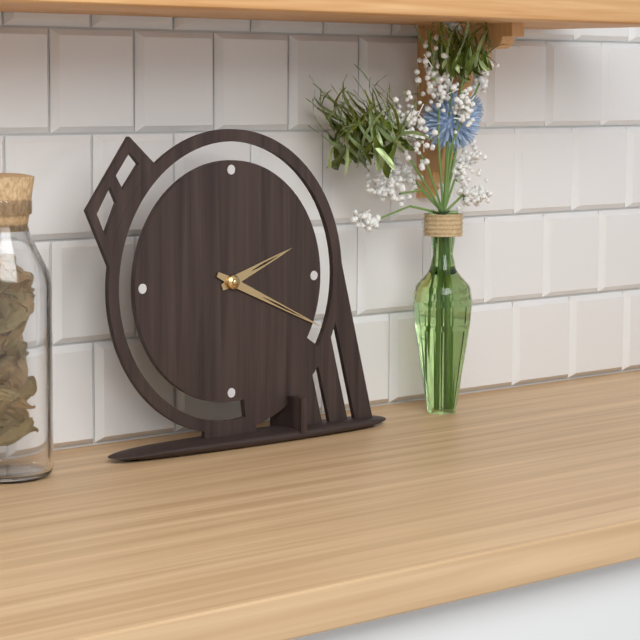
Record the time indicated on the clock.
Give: 2:19
